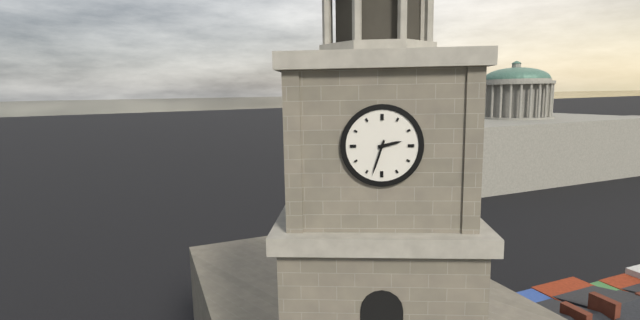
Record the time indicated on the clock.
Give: 2:33
